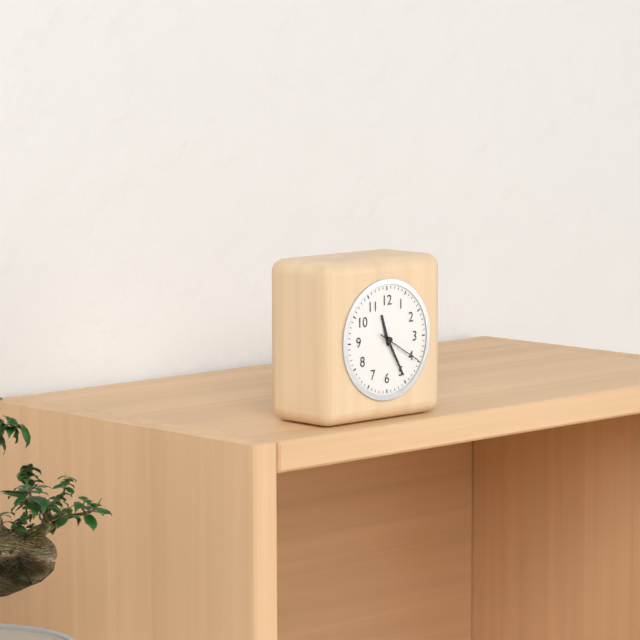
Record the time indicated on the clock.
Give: 11:25
